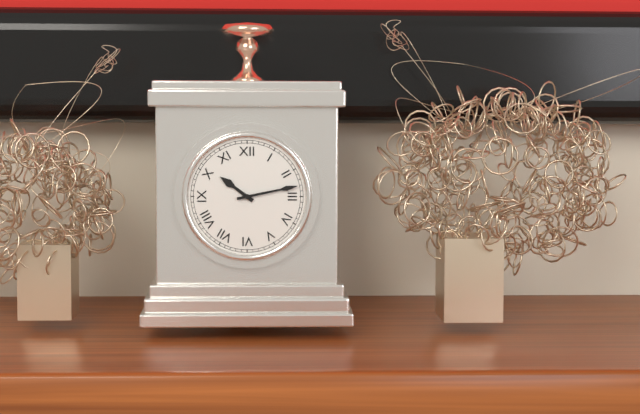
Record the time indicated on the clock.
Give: 10:13
